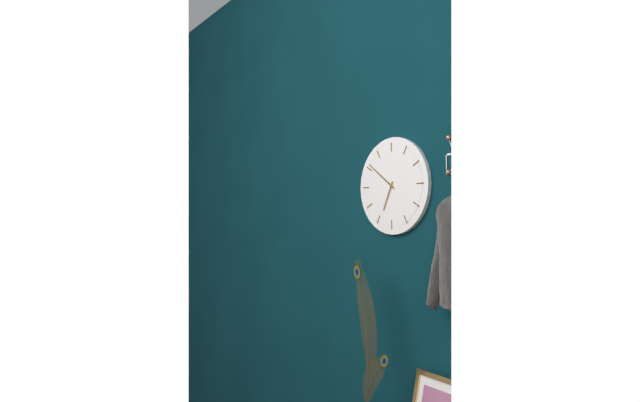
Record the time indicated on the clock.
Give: 6:51
